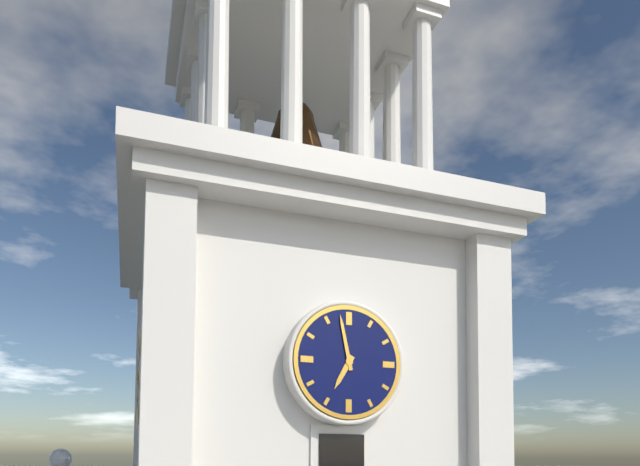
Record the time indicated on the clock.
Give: 6:58
